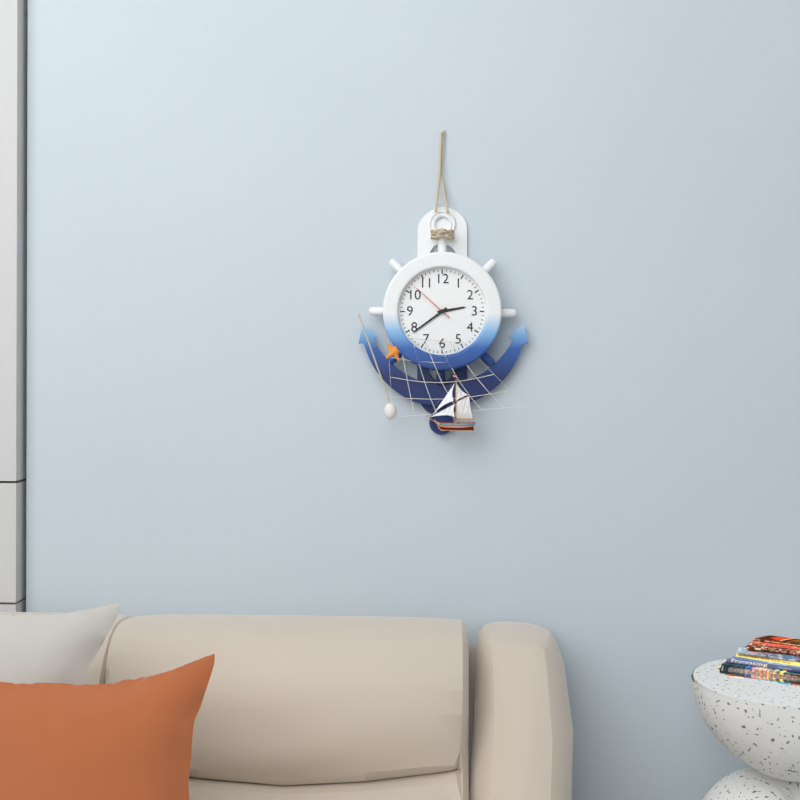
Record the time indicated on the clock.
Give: 2:39:52
